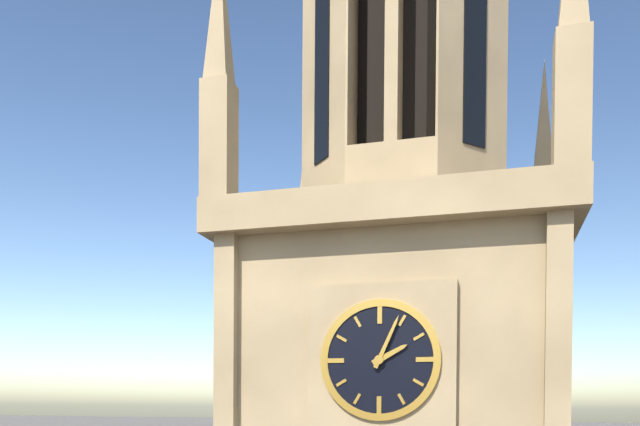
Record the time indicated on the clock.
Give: 2:04
